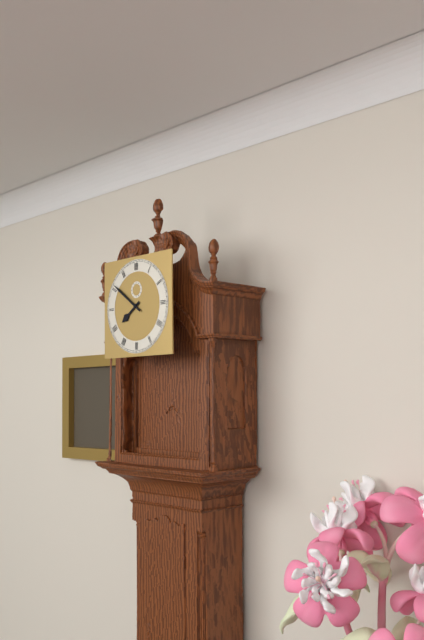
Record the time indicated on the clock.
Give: 7:51
